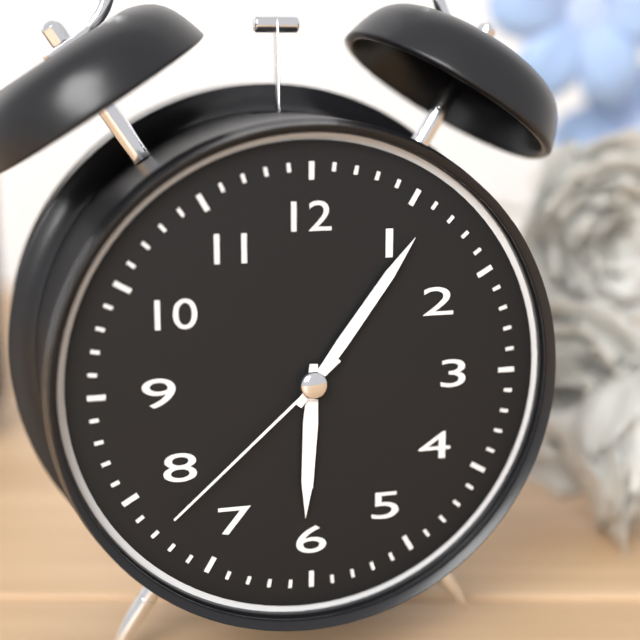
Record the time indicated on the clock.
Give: 6:06:38
